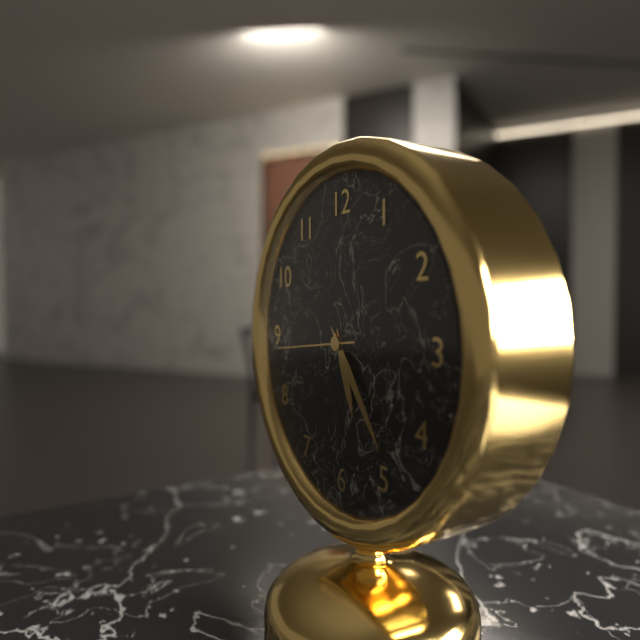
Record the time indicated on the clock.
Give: 5:24:44
